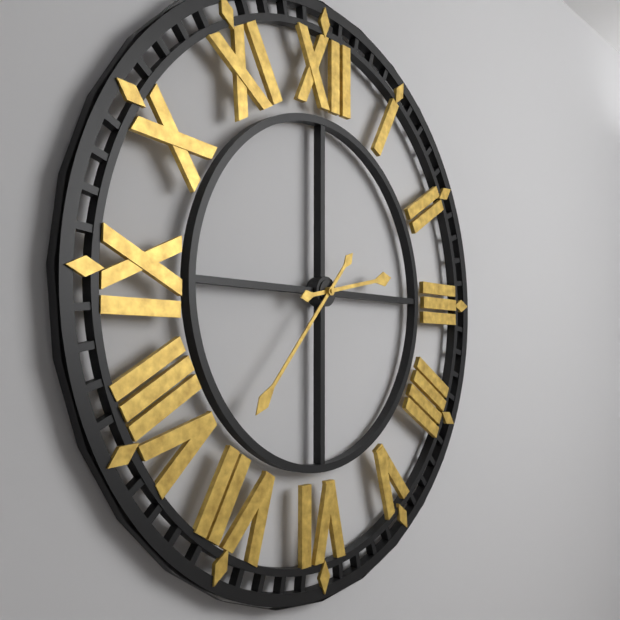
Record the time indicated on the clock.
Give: 2:37
